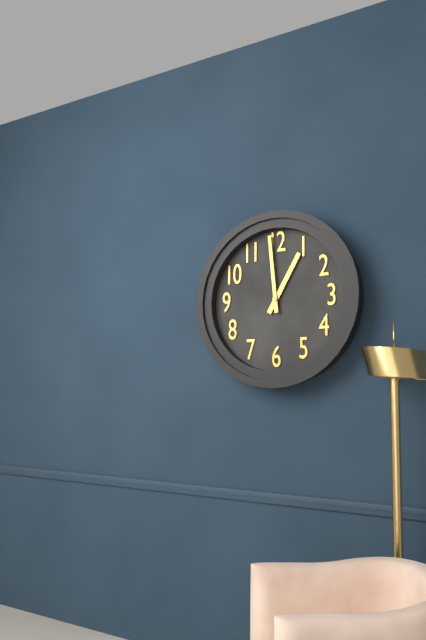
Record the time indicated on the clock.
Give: 12:59
